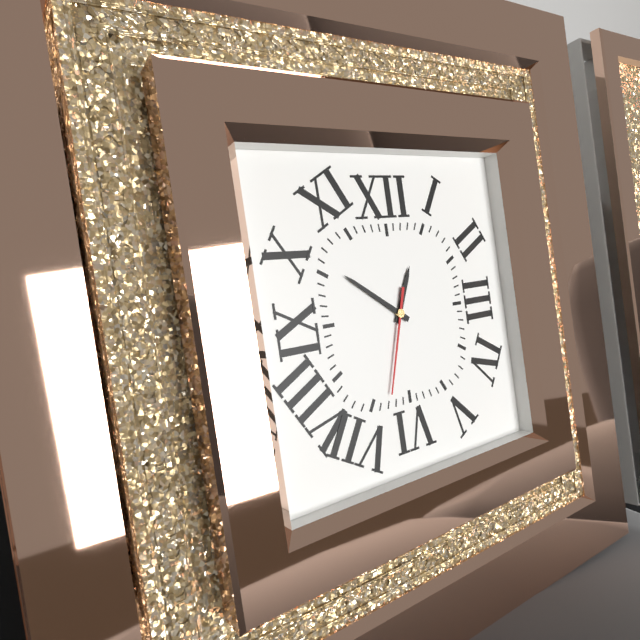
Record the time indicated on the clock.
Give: 12:51:33
